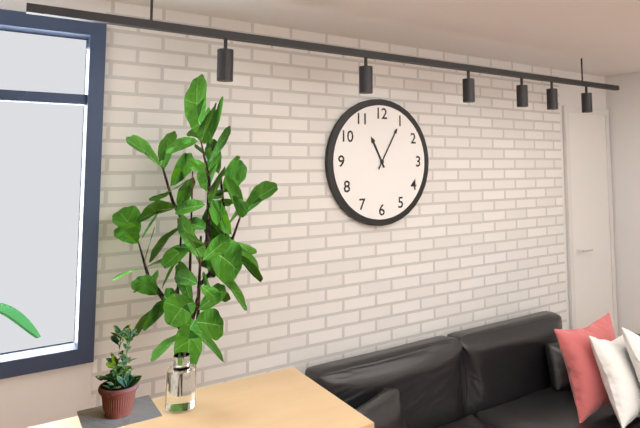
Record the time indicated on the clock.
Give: 11:05
